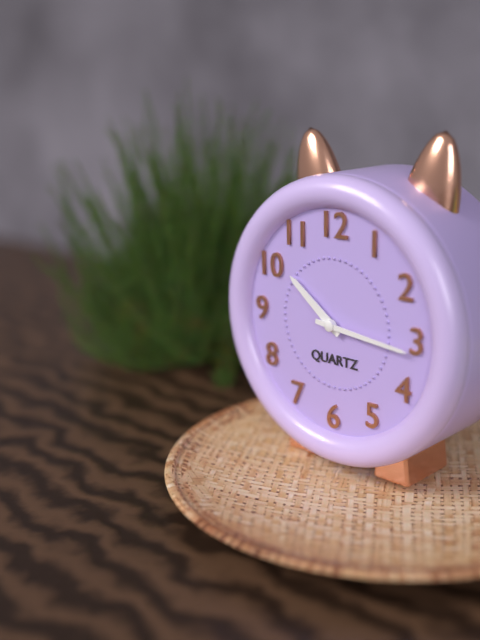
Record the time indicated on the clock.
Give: 10:16
